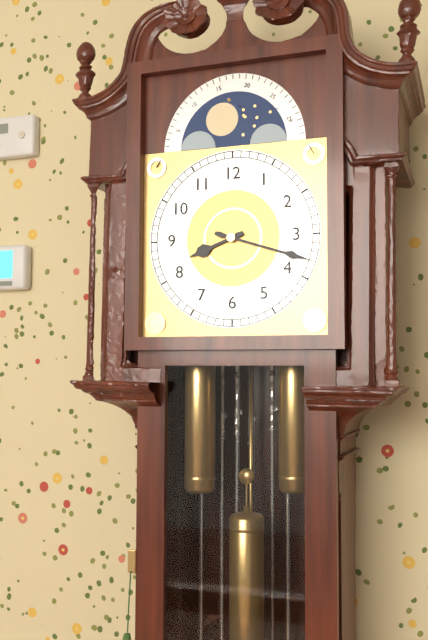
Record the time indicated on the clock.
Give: 8:18
